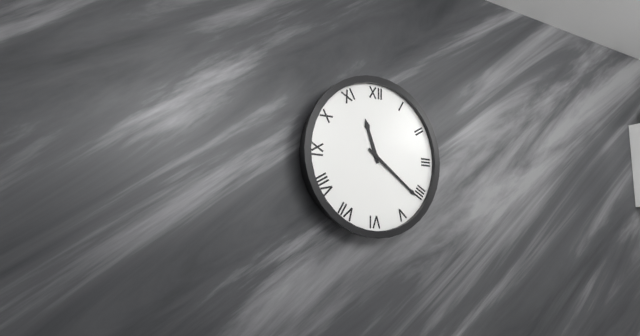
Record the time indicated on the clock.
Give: 11:21
